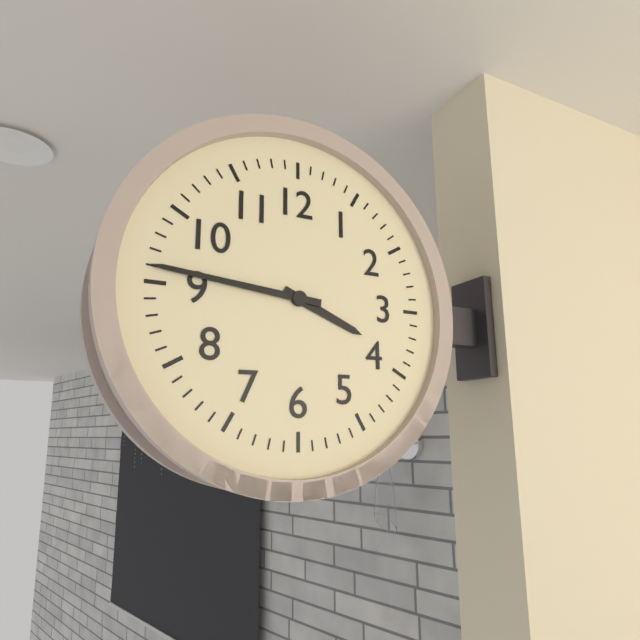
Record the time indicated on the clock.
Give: 3:46
